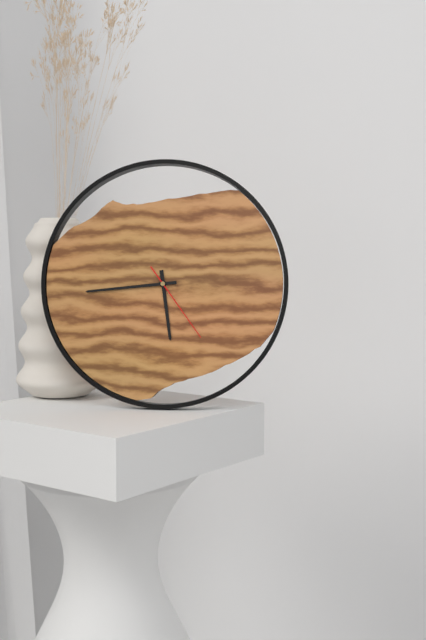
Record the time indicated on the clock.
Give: 5:44:24
